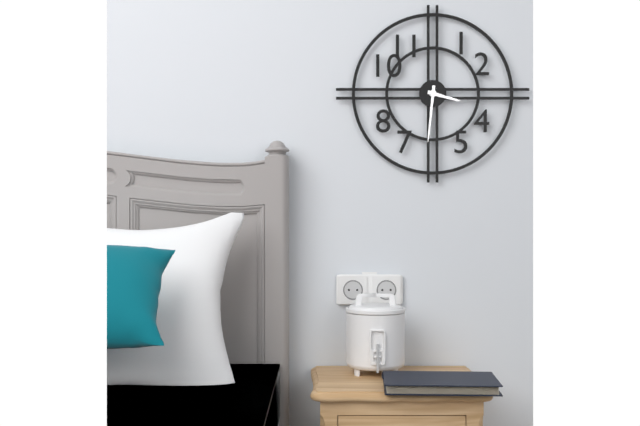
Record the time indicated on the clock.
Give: 3:31
